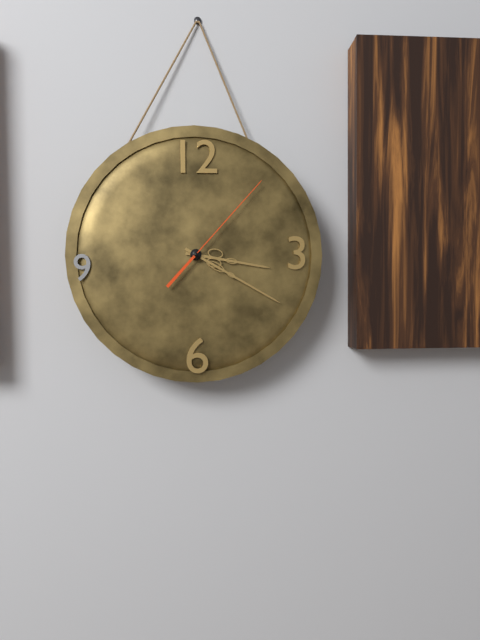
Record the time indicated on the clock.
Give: 3:20:07
